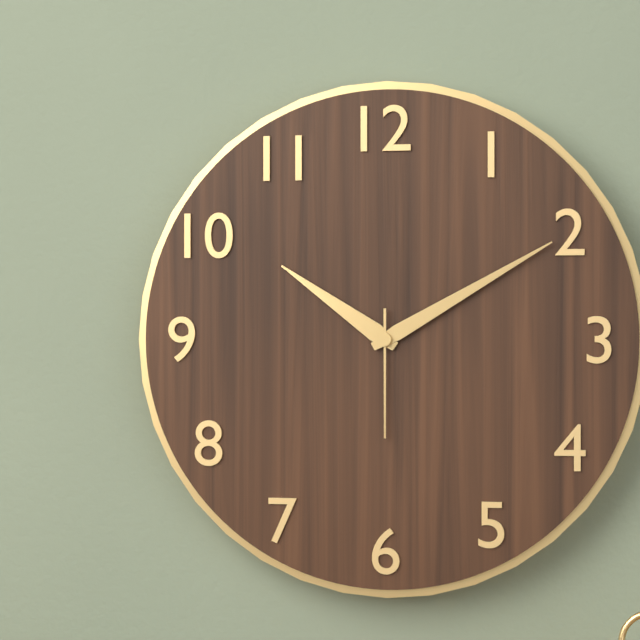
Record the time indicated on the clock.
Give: 10:10:30
